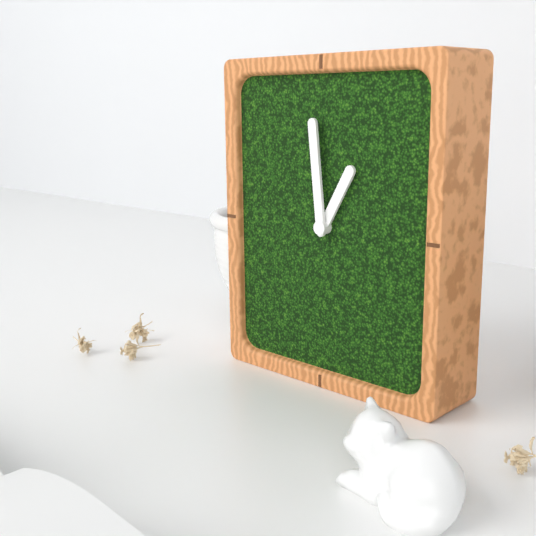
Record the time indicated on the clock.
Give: 12:59
